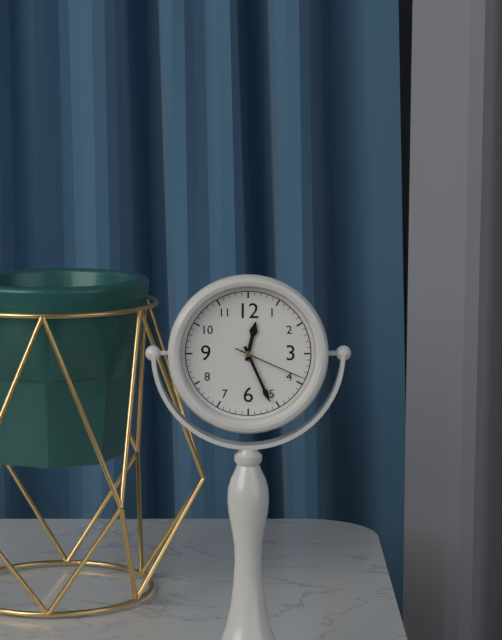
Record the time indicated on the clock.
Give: 12:26:19
